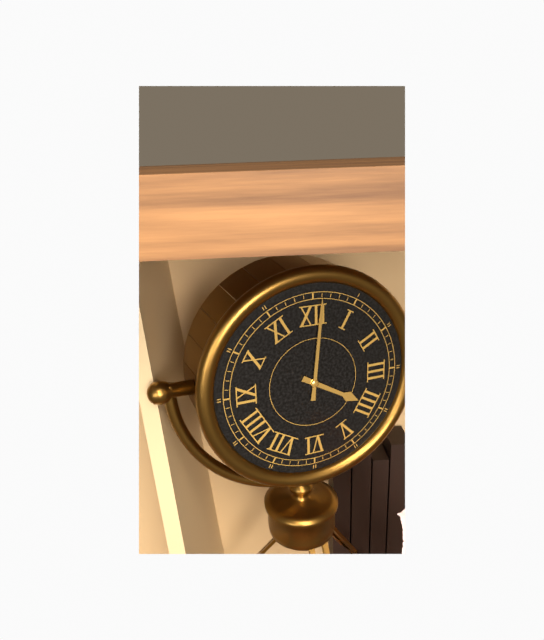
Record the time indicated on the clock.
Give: 4:01
